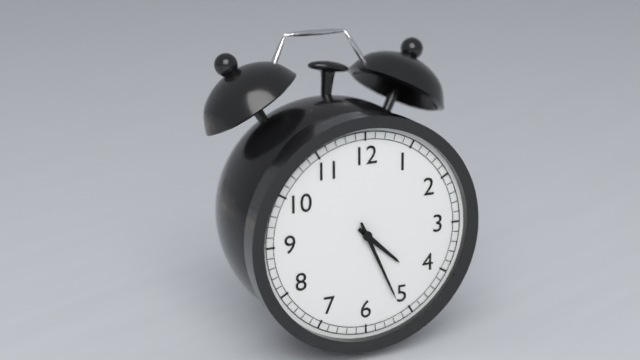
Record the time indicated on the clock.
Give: 4:26
